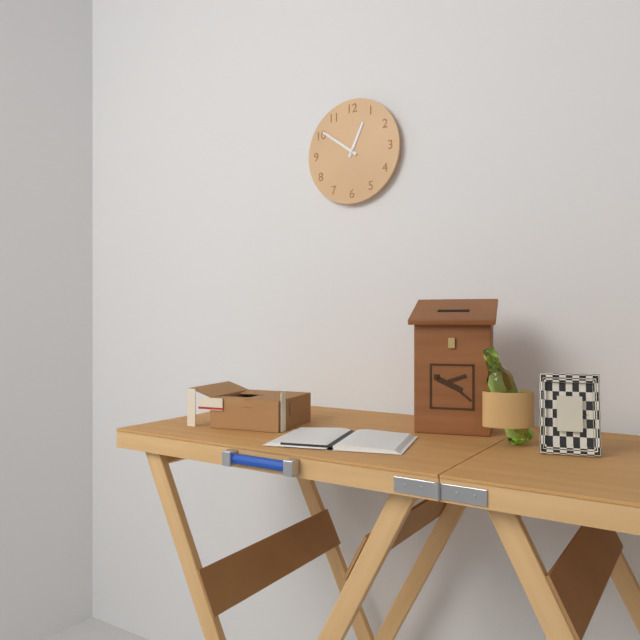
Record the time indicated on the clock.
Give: 12:51
